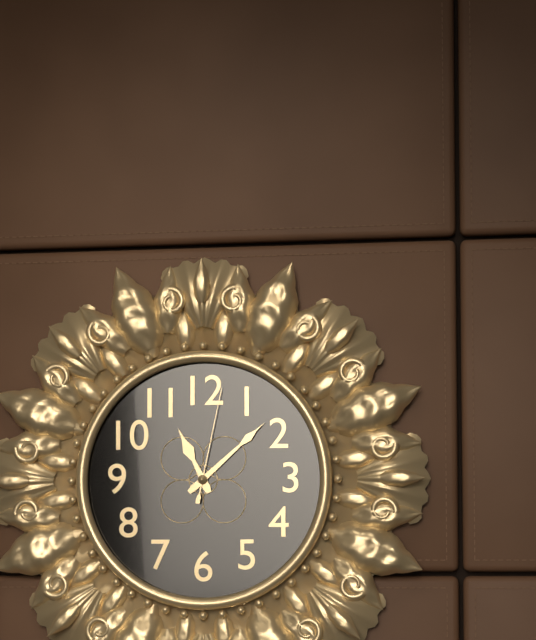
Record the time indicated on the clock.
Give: 11:08:02
